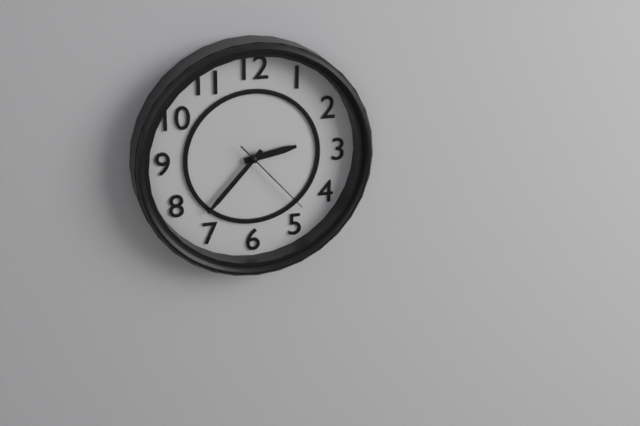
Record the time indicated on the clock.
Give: 2:37:23
